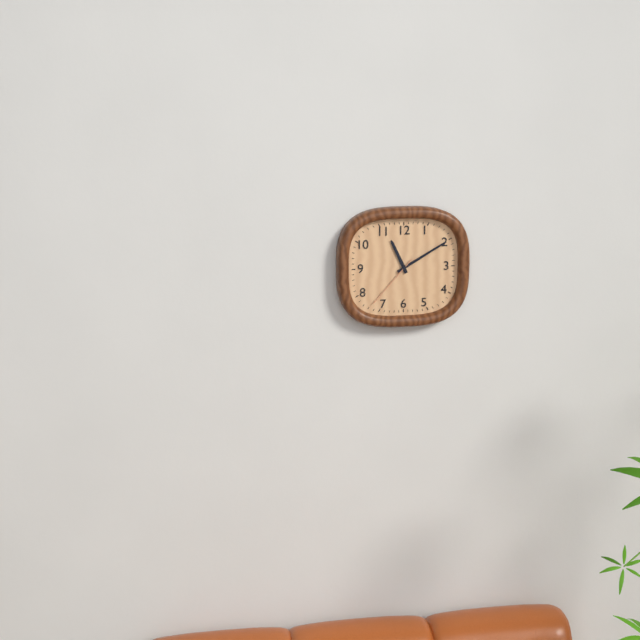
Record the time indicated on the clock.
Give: 11:10:37
